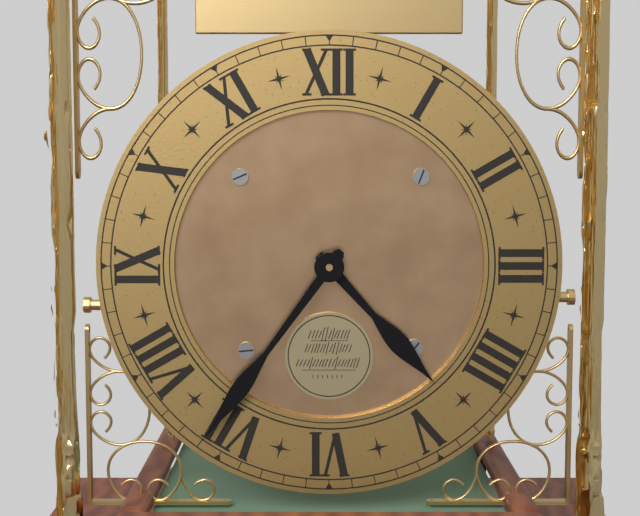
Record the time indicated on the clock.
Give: 4:36
